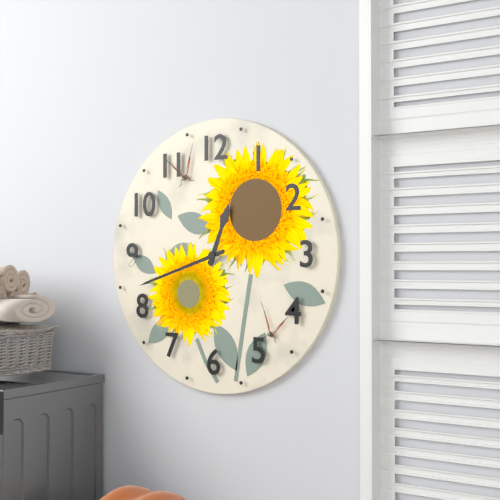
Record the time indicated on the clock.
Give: 12:42
